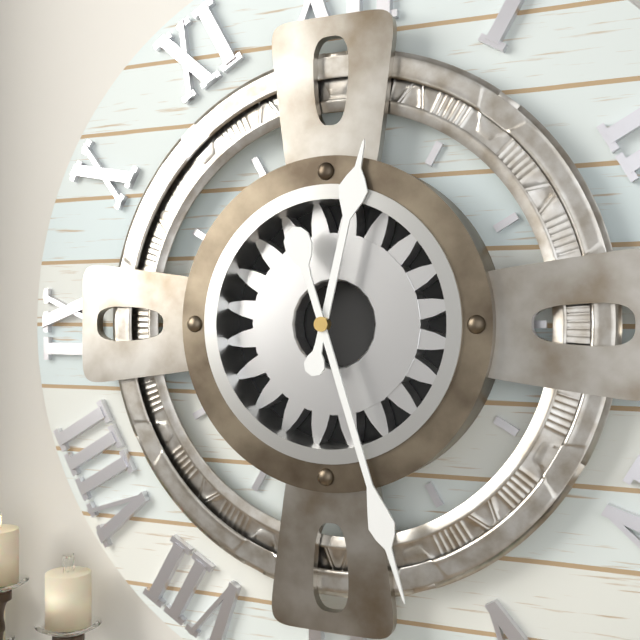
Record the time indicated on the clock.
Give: 12:27
